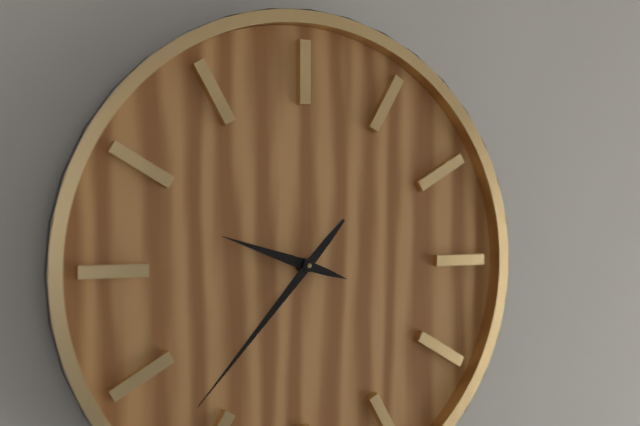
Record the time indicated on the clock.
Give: 9:37
